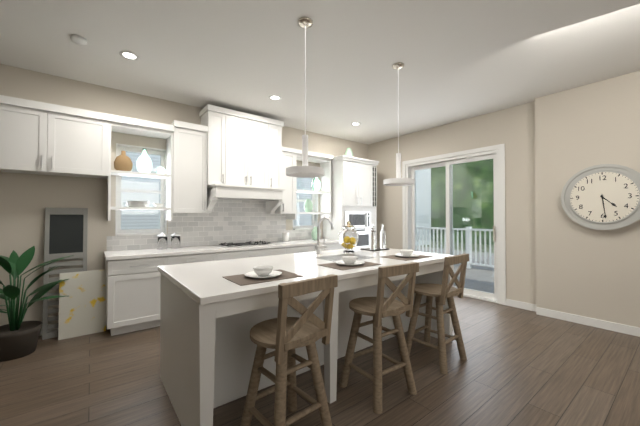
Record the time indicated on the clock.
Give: 4:29
